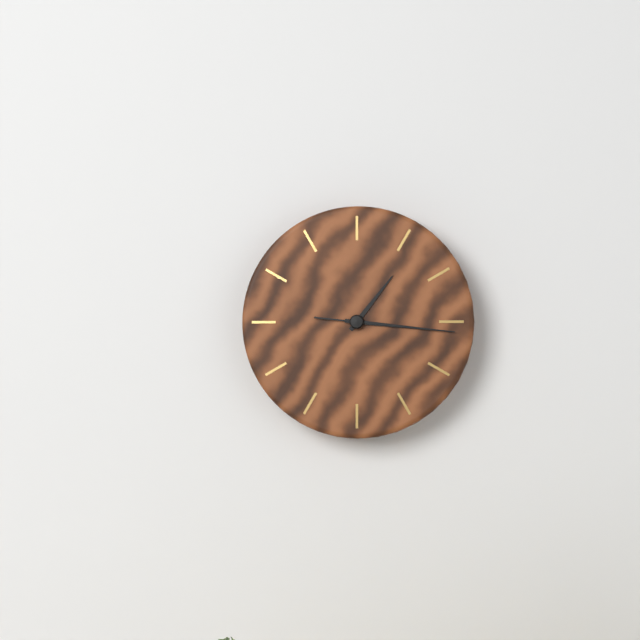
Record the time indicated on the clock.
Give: 1:16:16
